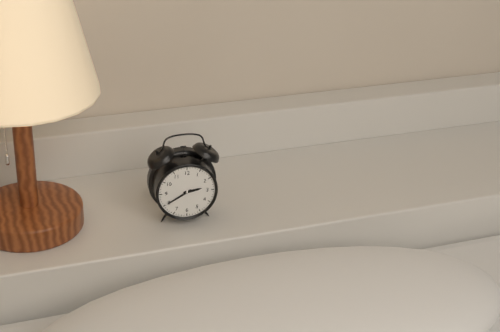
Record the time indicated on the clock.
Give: 2:40
